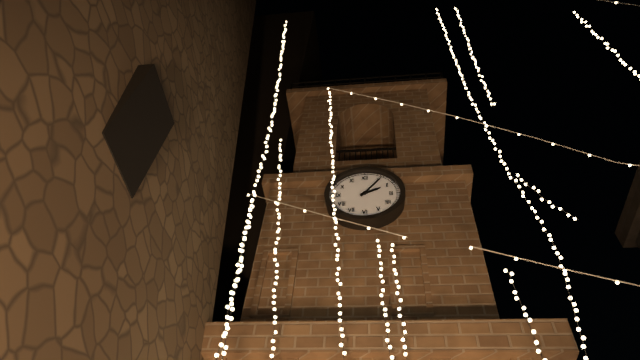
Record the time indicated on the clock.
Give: 2:06
